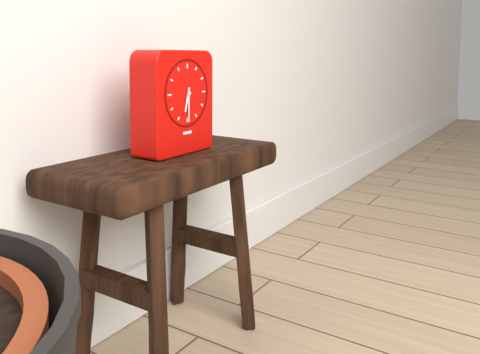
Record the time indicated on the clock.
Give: 6:30
